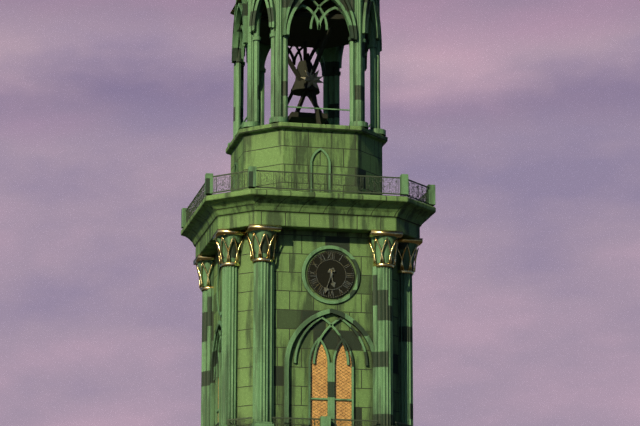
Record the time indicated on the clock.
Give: 5:33
